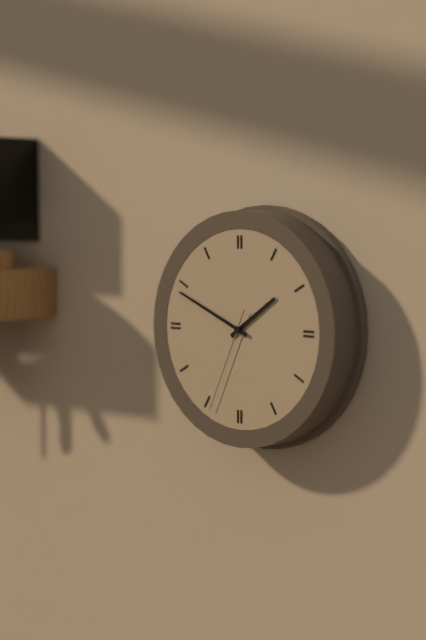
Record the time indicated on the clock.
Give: 1:49:34
